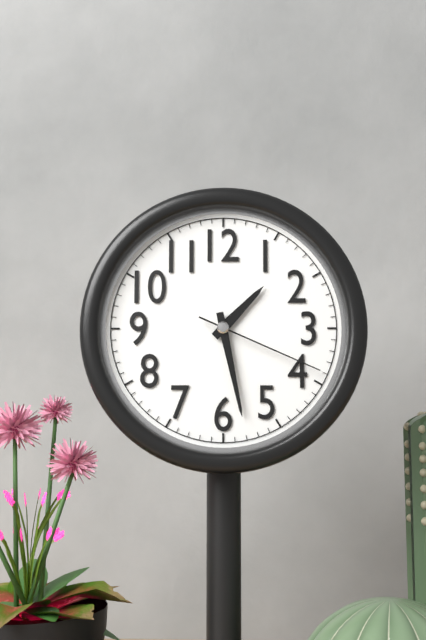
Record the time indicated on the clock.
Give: 1:28:19
